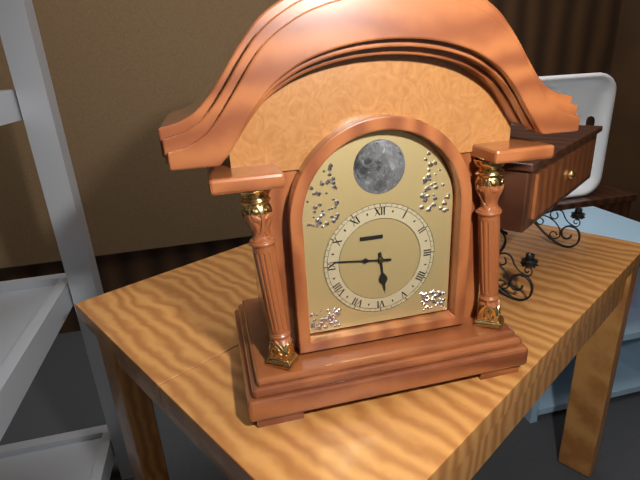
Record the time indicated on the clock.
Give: 5:46
